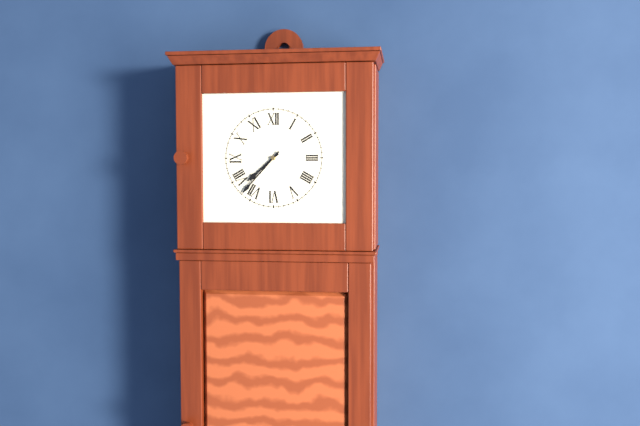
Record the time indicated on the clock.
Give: 7:37
